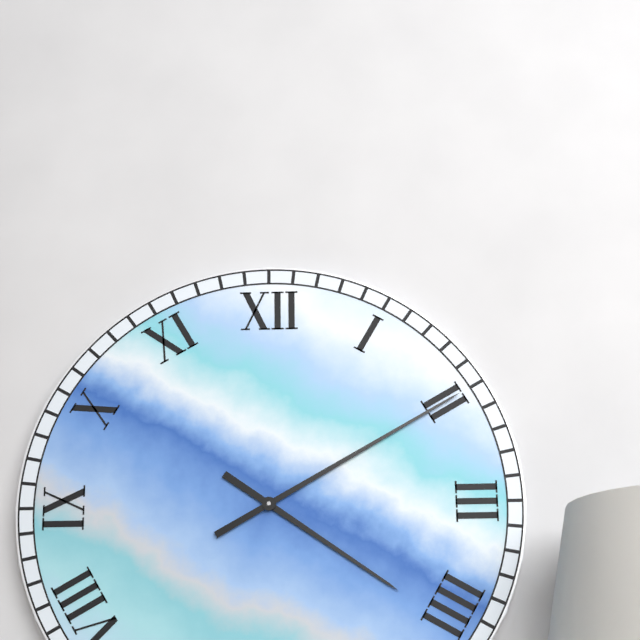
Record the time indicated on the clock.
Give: 4:10
